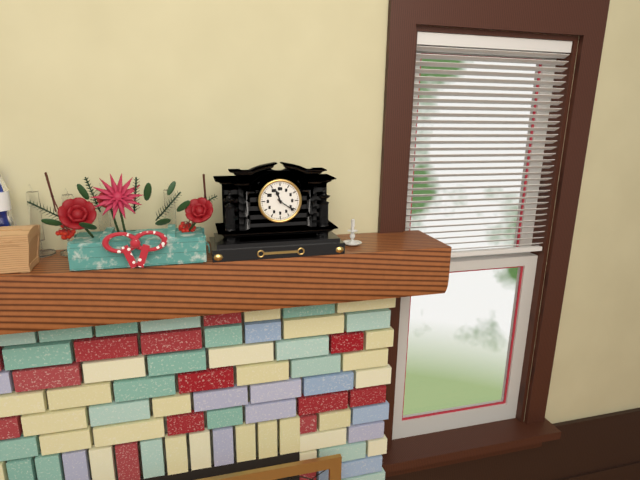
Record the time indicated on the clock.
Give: 11:21
